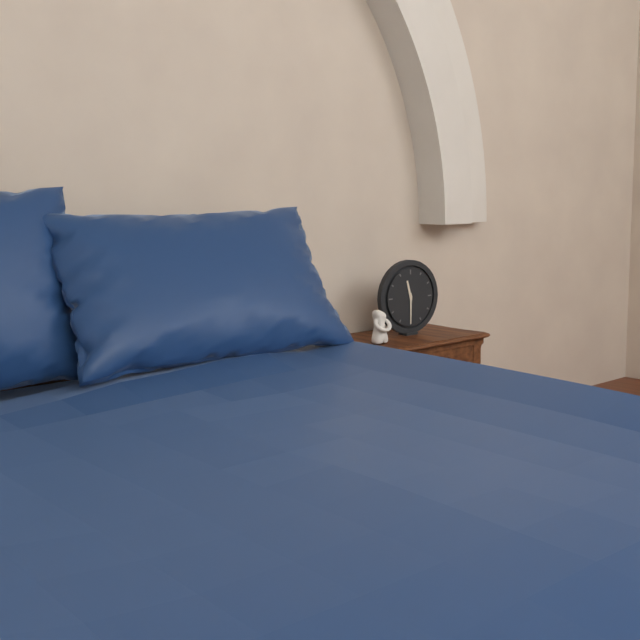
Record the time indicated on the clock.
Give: 11:30
